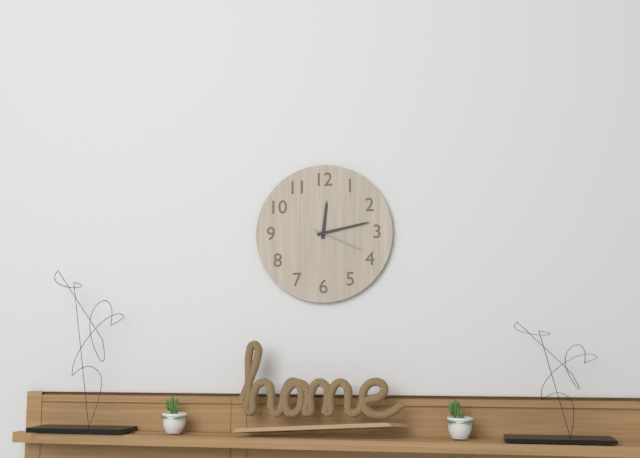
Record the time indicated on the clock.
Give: 12:13:19
